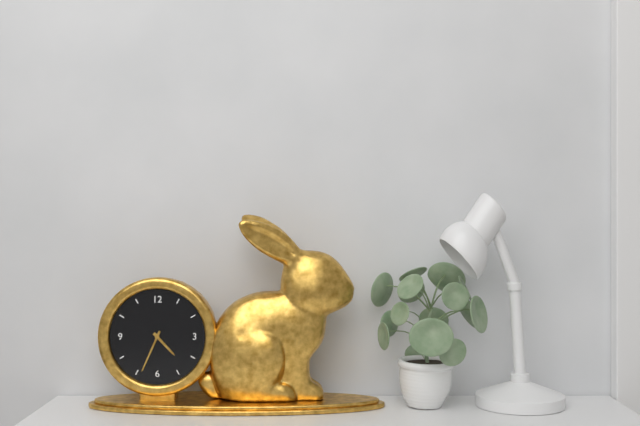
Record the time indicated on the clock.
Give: 4:34
